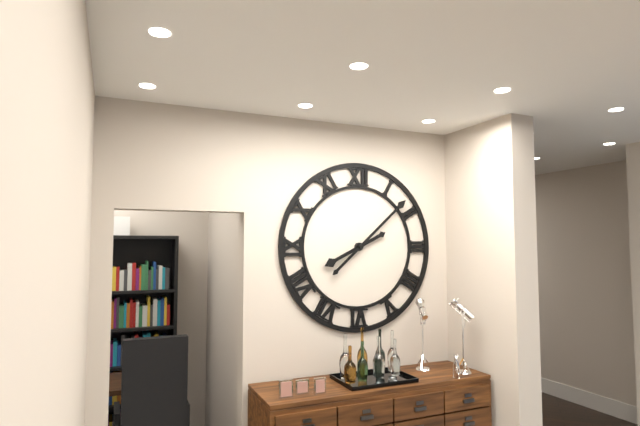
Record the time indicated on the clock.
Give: 8:08
